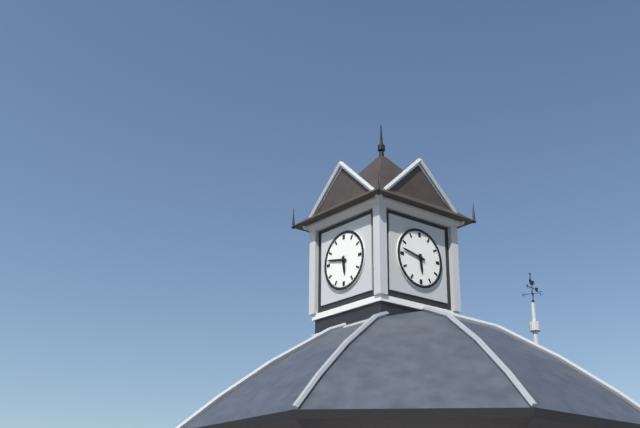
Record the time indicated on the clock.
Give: 5:47
